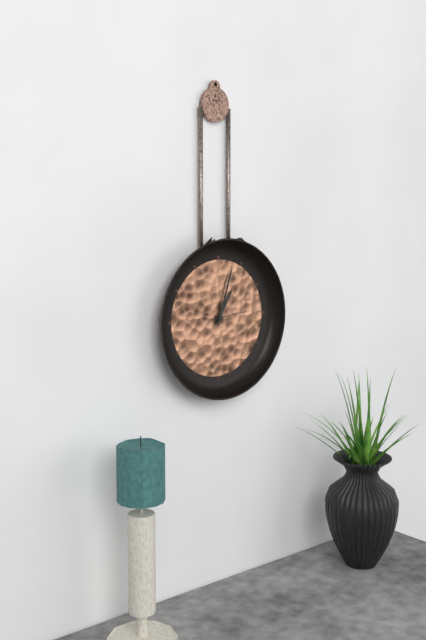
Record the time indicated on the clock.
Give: 1:03
